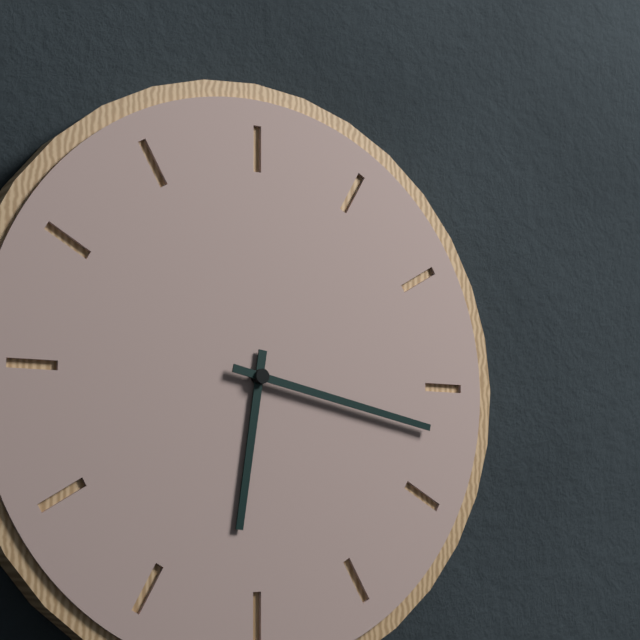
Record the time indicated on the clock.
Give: 6:17
